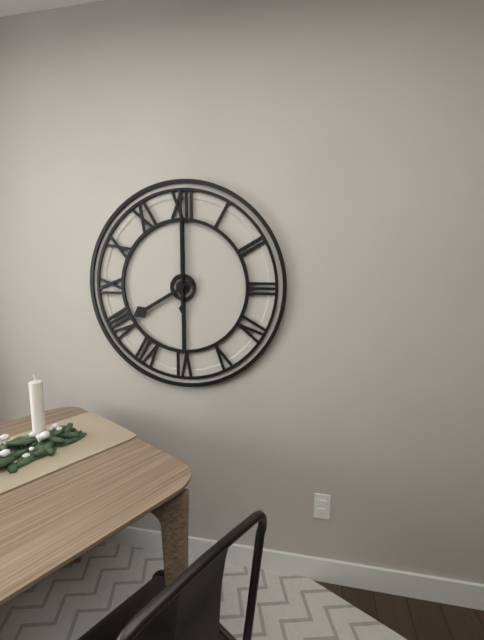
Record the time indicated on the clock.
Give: 8:00
